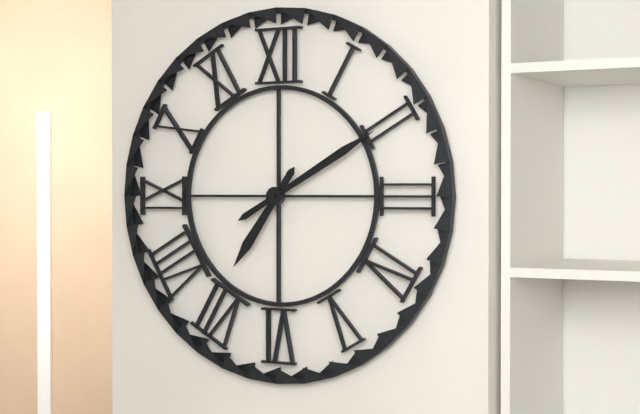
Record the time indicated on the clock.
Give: 7:10
